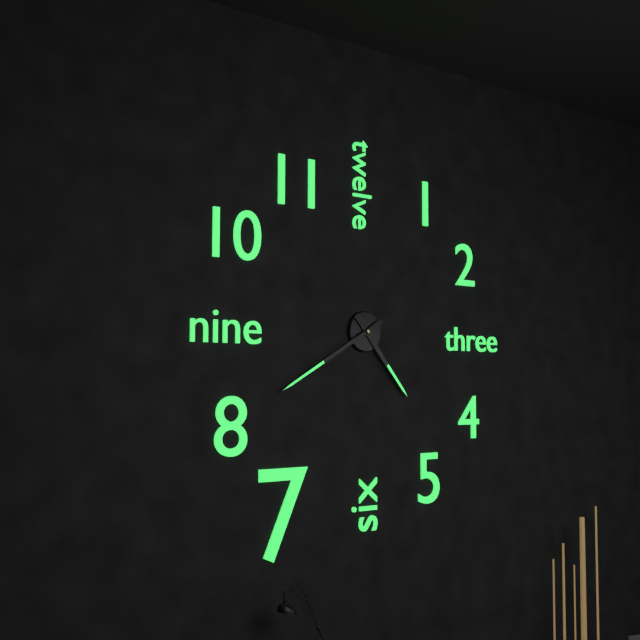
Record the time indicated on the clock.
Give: 4:40
